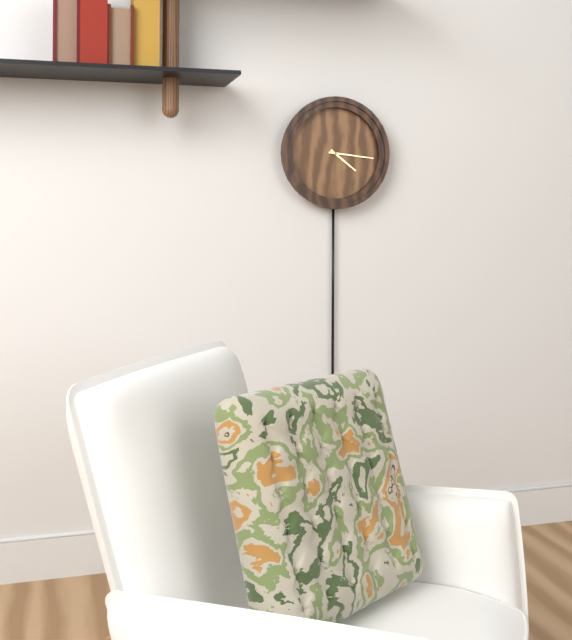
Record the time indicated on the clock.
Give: 4:16
